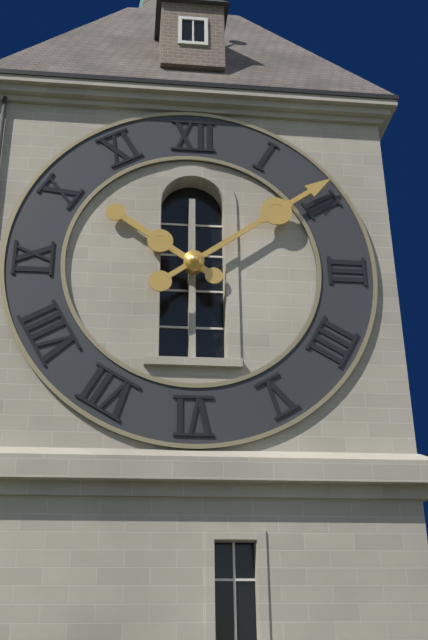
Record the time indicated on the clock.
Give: 10:09
